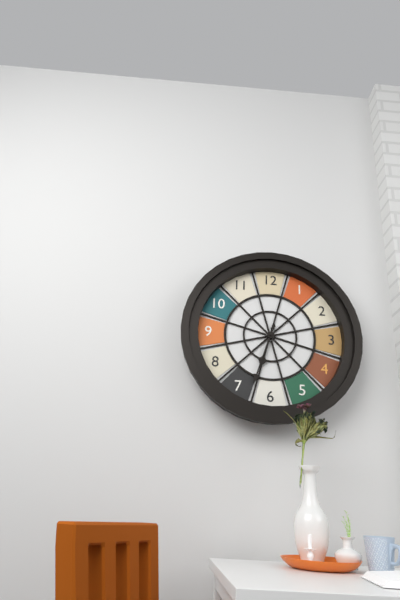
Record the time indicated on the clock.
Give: 6:33
